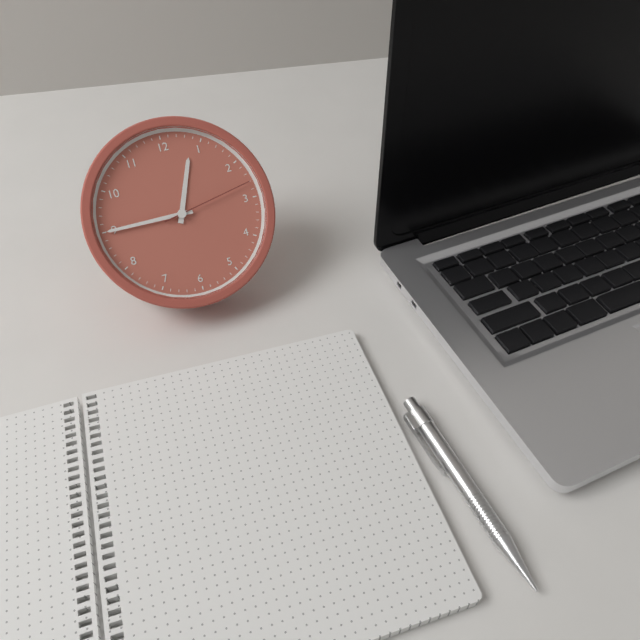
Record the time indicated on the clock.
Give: 12:45:13
